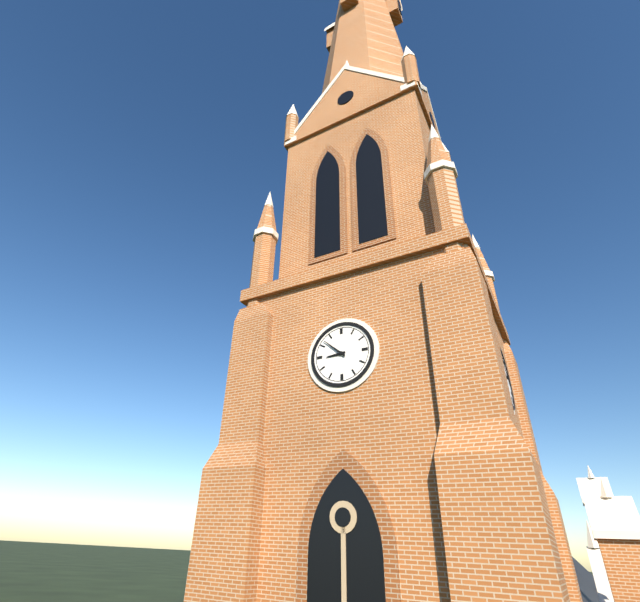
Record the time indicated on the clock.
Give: 8:52
